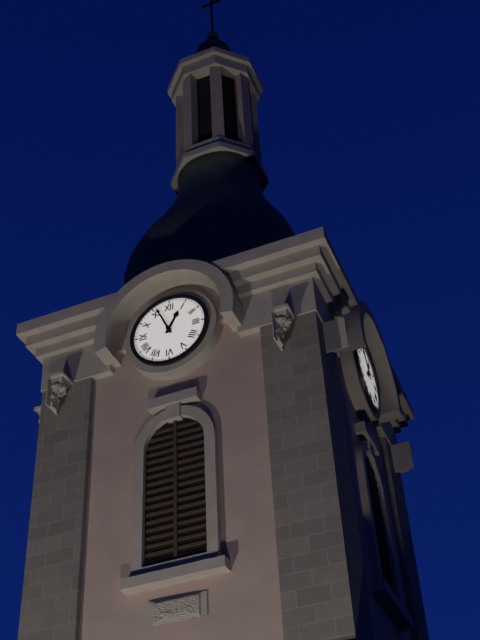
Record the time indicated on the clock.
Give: 12:56
